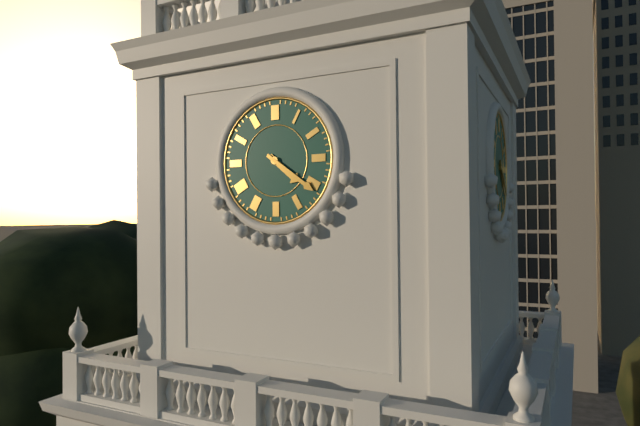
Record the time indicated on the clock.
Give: 4:21
